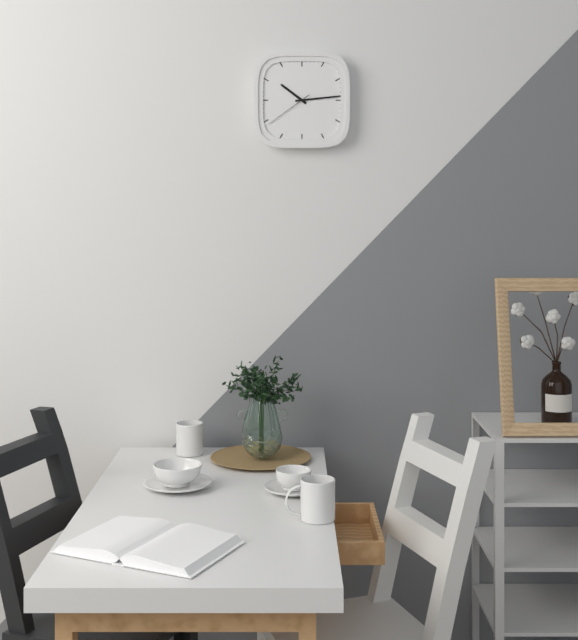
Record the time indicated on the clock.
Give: 10:14:39
